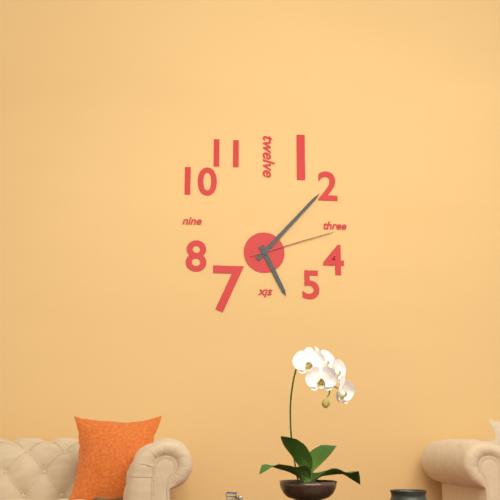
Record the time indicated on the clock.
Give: 5:07:12
